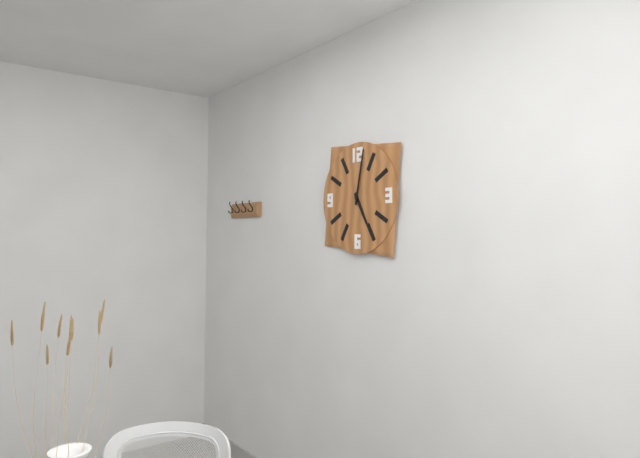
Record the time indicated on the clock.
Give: 5:02
